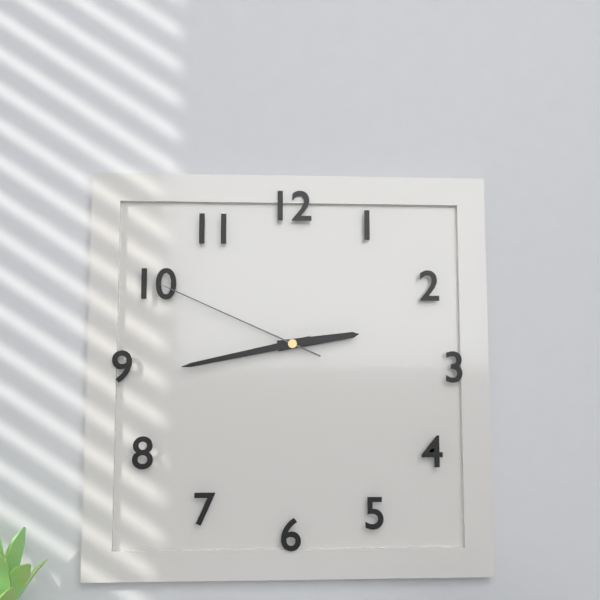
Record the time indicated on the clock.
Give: 2:43:49
